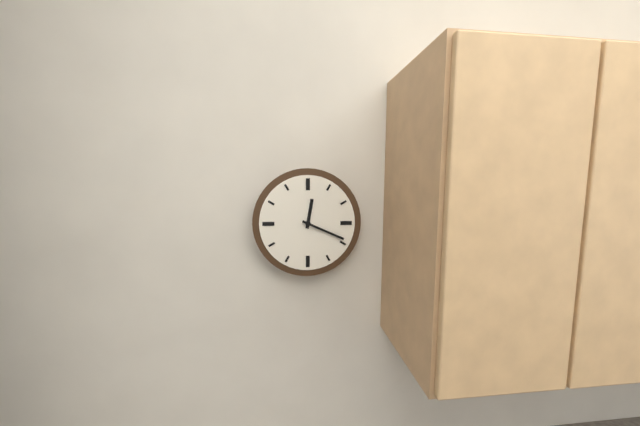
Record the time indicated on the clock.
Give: 12:19
